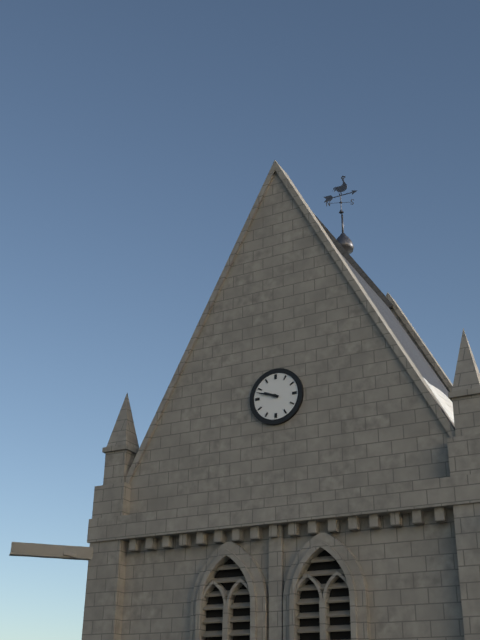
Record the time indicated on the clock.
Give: 9:48
